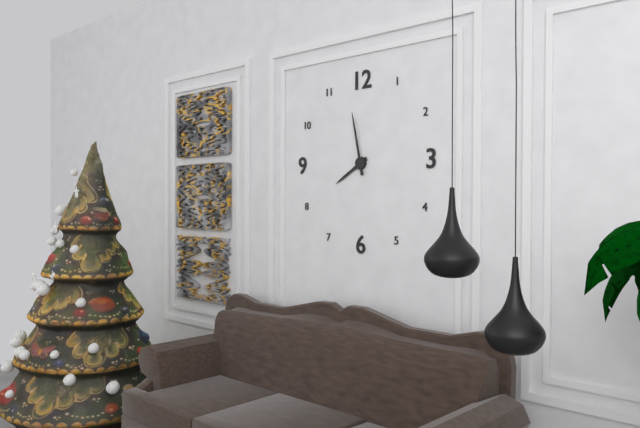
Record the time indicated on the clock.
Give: 7:58
